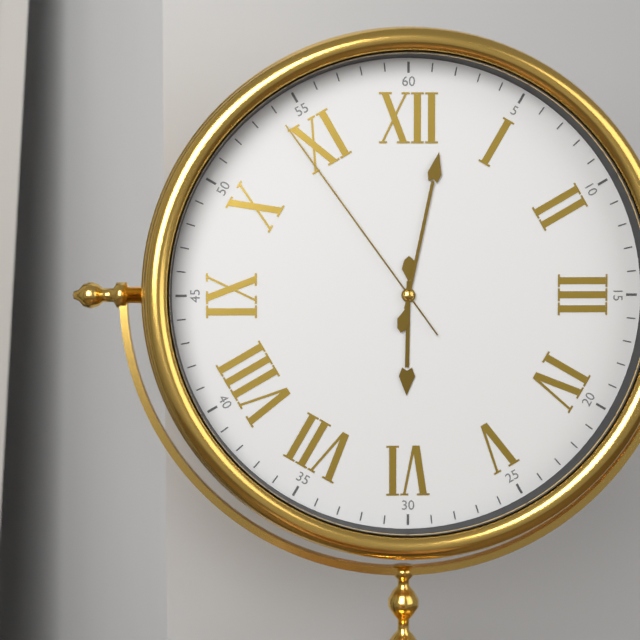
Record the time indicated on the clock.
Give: 6:02:54
